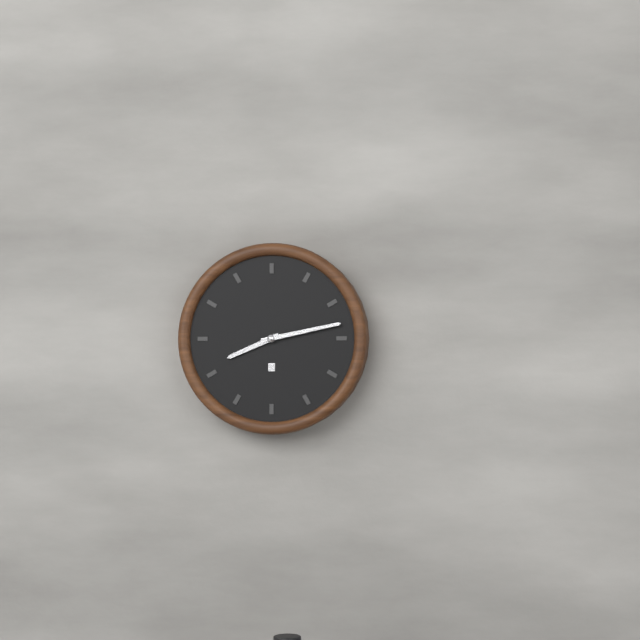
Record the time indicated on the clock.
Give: 8:13
